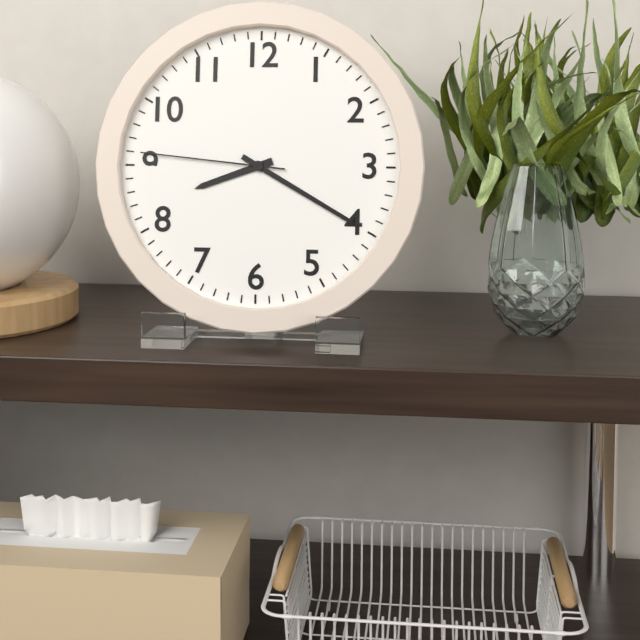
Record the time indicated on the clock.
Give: 8:20:46
